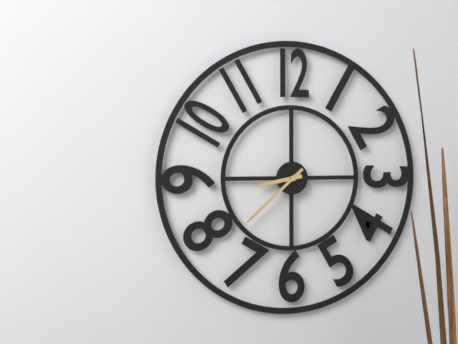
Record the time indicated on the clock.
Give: 8:38
